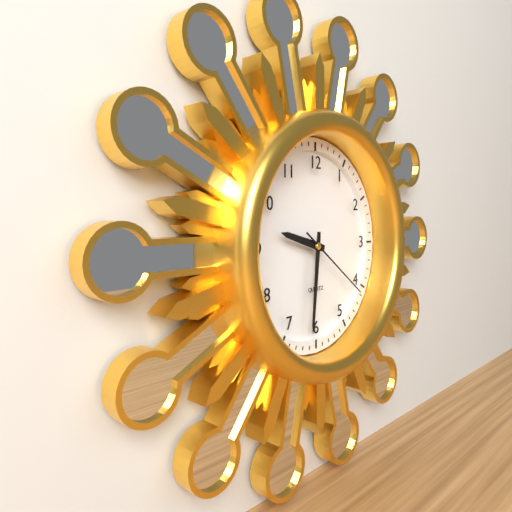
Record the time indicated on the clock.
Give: 9:31:21
